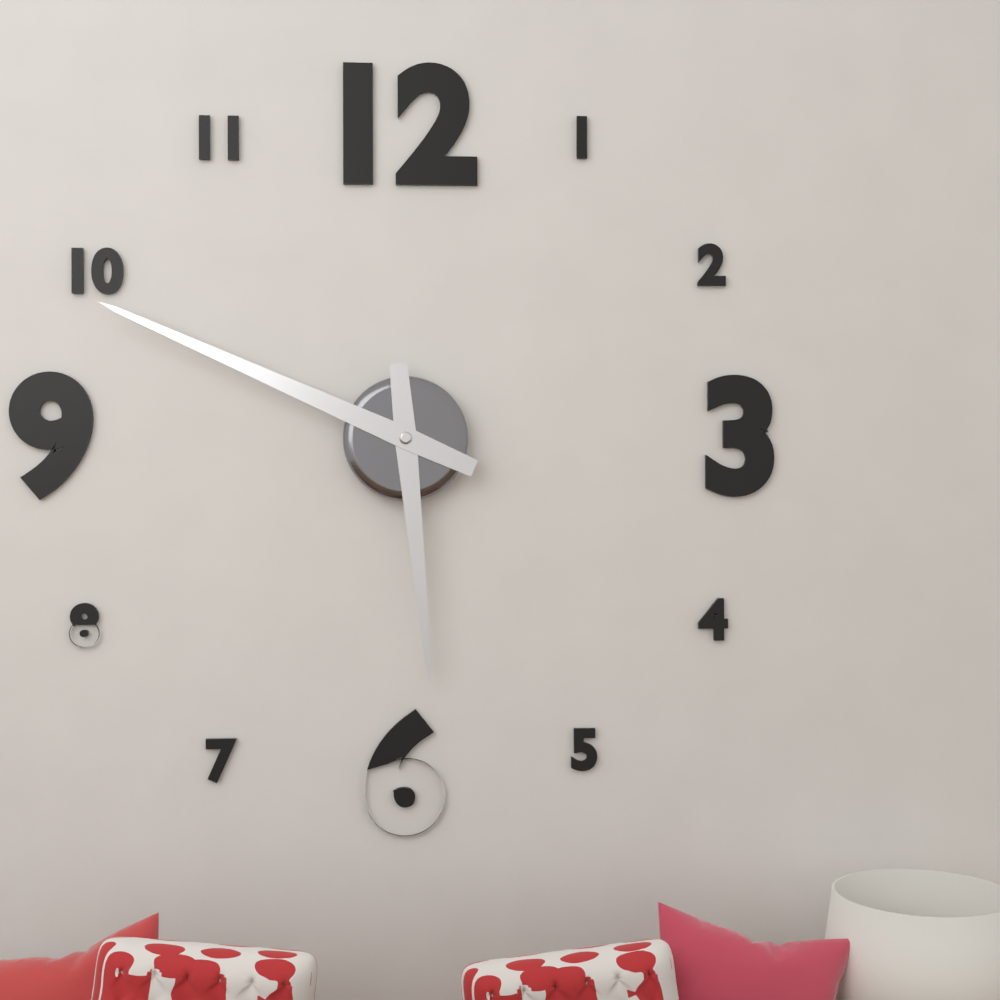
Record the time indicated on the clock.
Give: 5:49
